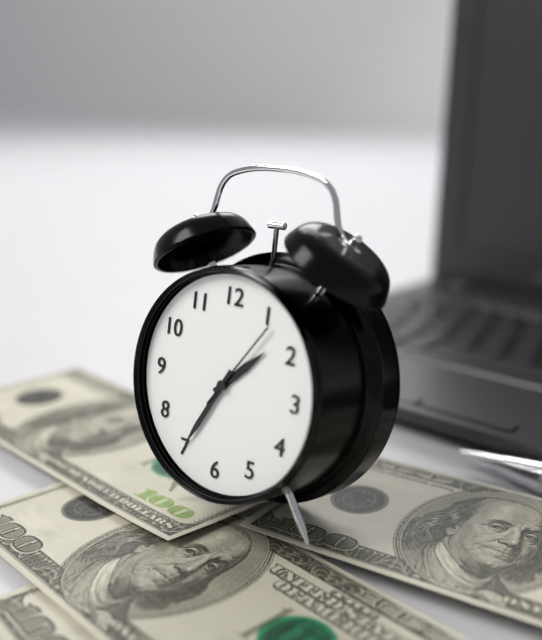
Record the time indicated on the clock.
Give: 1:35:06
